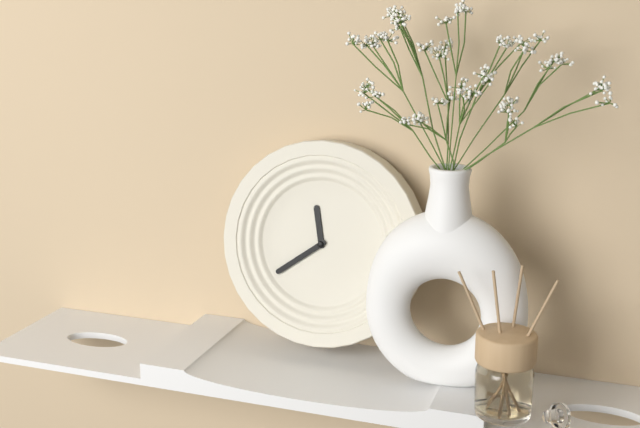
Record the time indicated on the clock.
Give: 11:39
